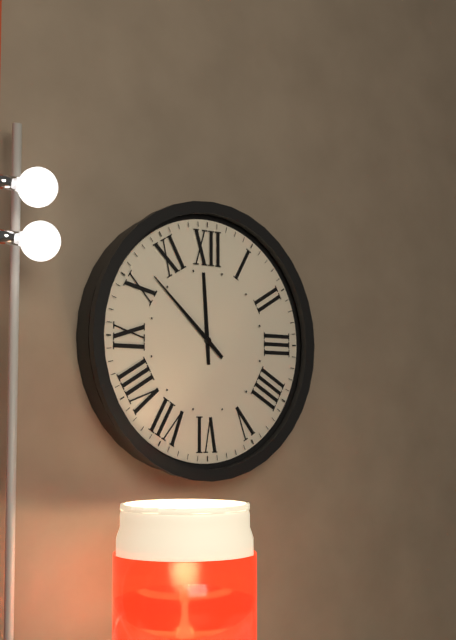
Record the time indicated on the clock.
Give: 11:52
